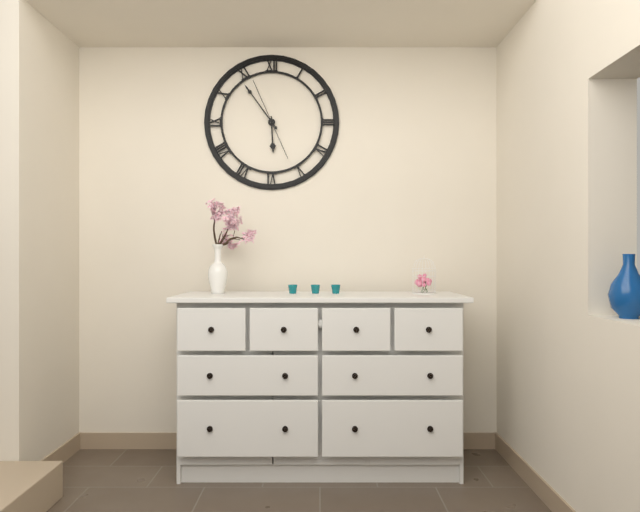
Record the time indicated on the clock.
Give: 5:54:56
